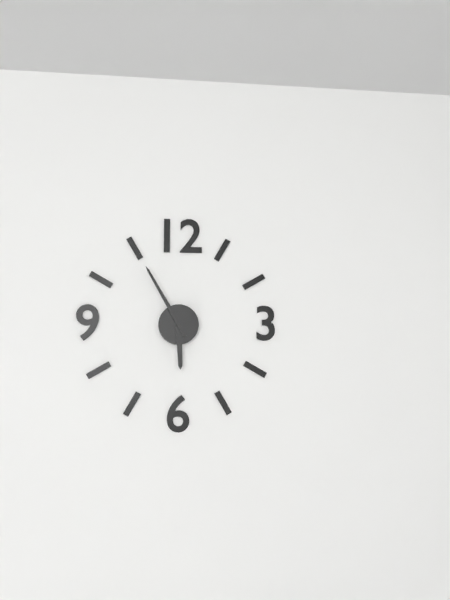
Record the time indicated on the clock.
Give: 5:55
